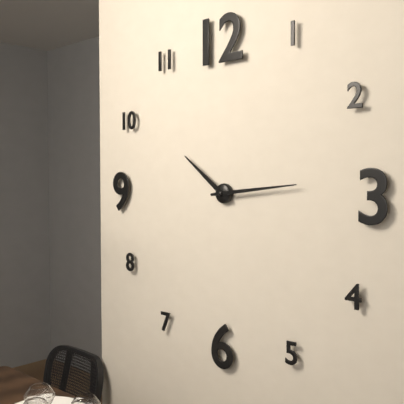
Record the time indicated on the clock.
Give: 10:14
